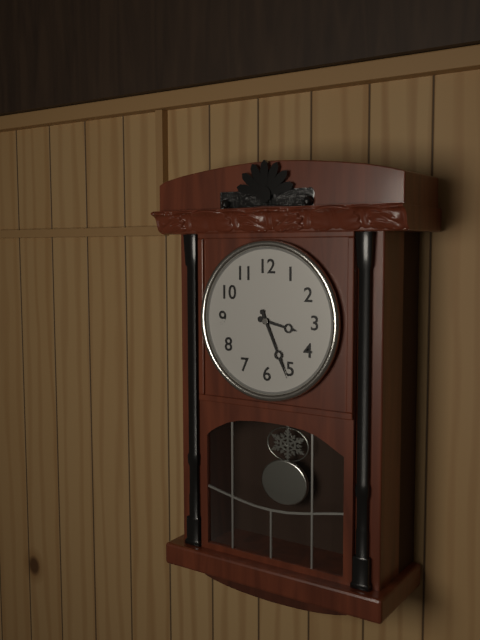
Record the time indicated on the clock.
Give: 3:26
